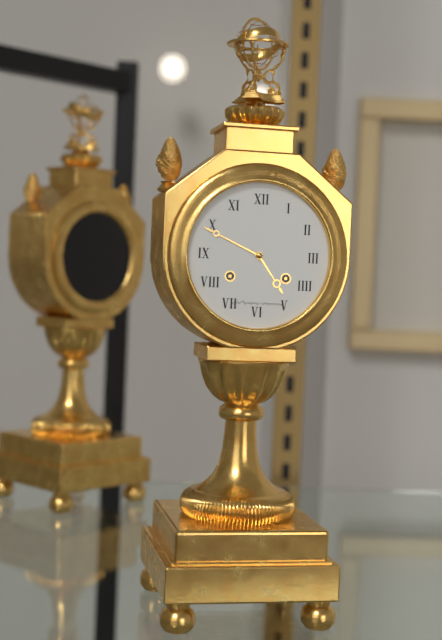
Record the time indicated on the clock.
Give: 4:49
